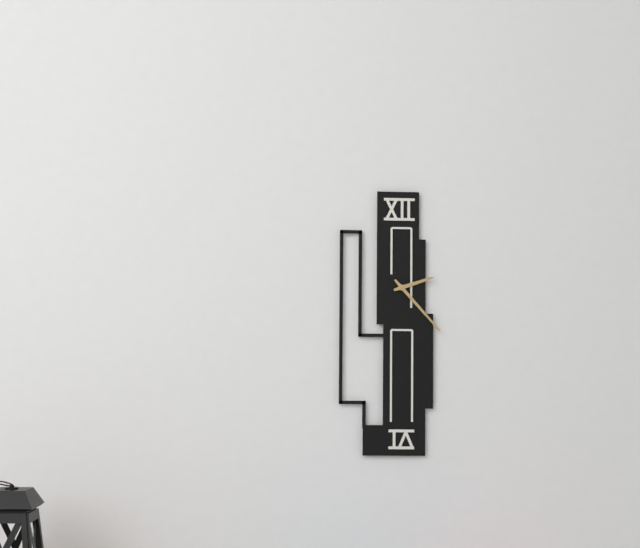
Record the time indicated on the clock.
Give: 2:23
